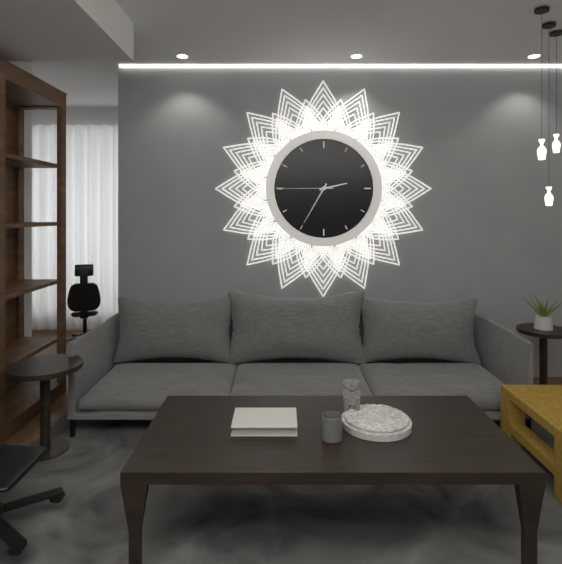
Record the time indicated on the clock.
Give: 2:35:45
